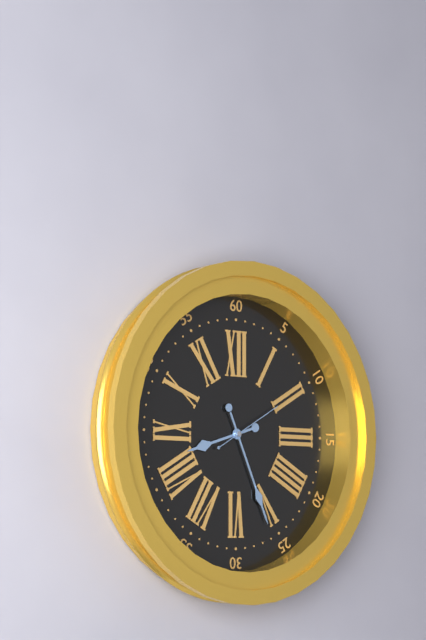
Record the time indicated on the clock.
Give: 8:26:10
